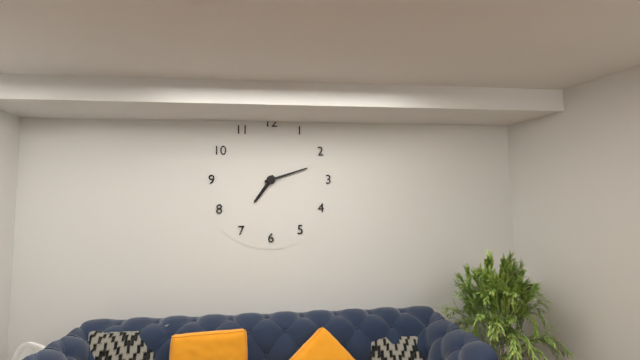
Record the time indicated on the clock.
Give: 7:12
